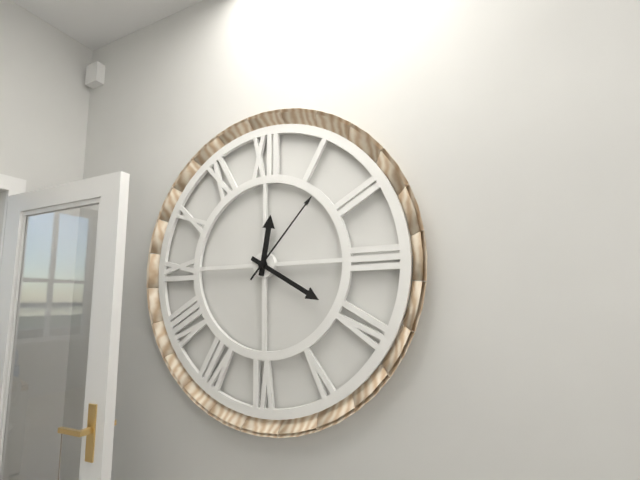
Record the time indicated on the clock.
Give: 12:20:07
